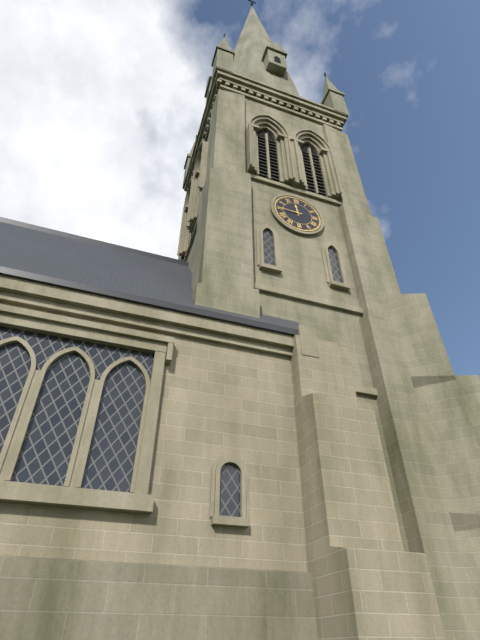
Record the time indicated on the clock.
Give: 11:45
